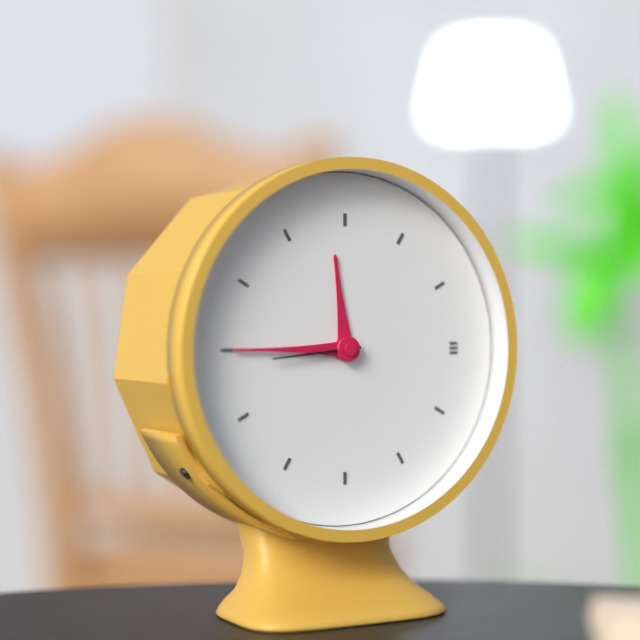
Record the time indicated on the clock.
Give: 11:45:44
